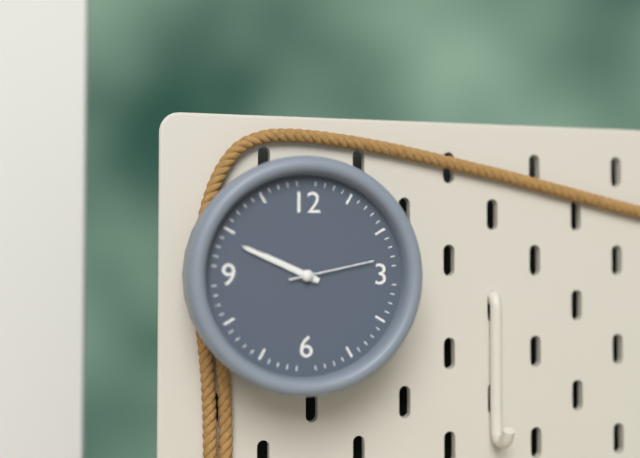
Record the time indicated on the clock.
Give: 9:49:13
